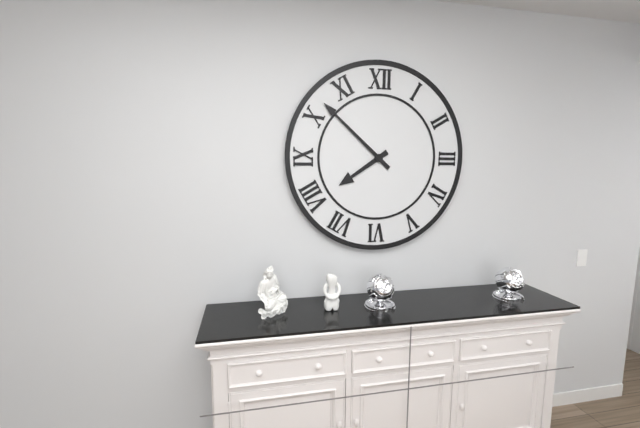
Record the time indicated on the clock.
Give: 7:52
